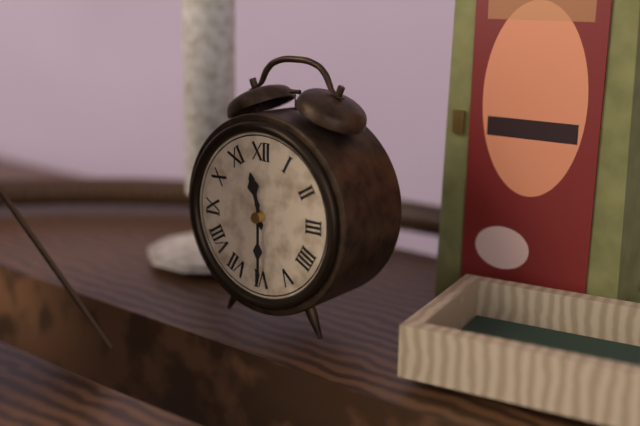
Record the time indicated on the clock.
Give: 11:30
